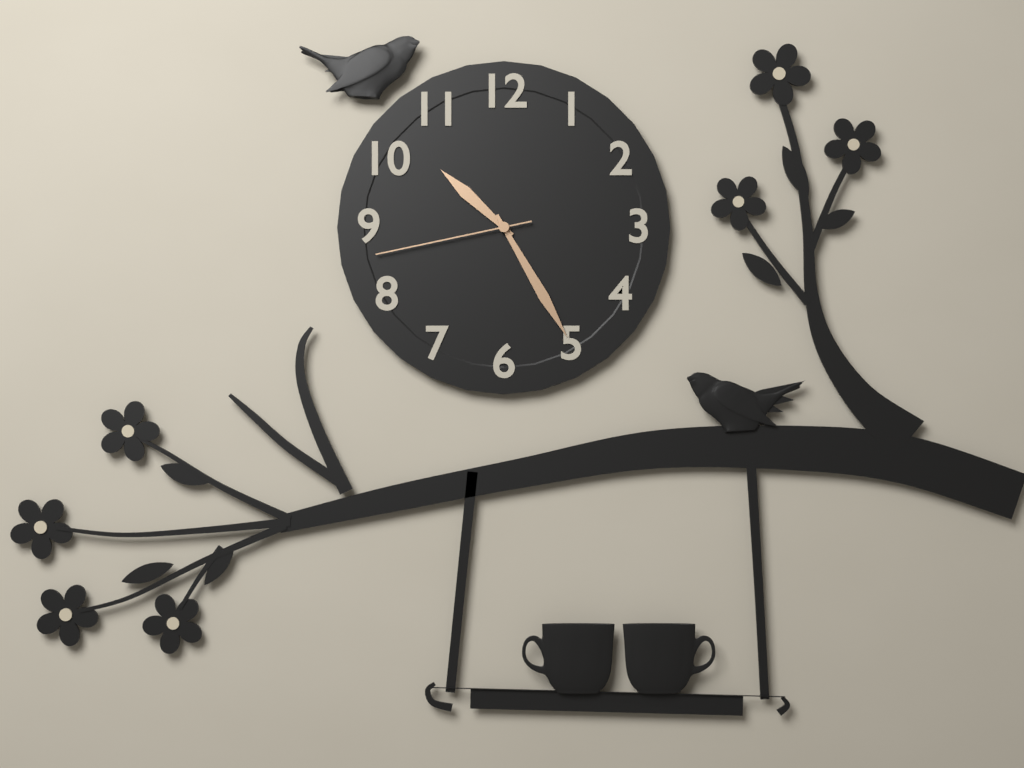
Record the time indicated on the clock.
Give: 10:25:43
